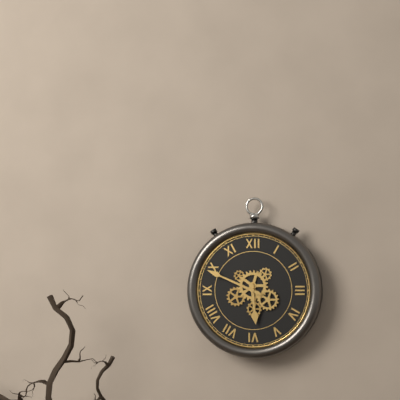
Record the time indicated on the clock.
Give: 5:49
